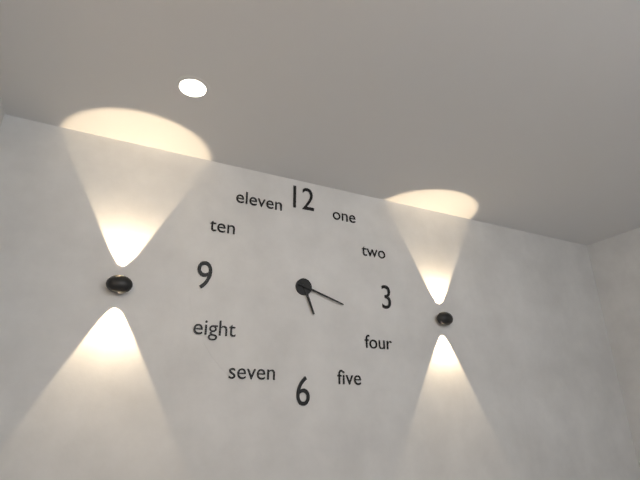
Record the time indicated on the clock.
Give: 5:18
